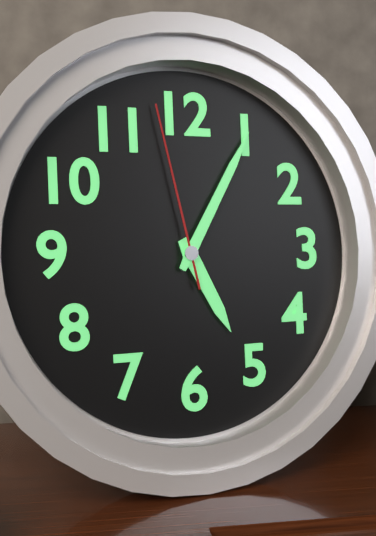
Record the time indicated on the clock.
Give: 5:05:58
